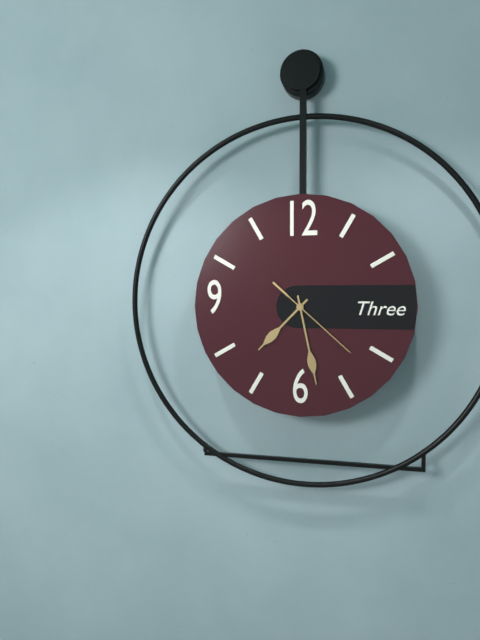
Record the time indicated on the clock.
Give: 7:28:22
